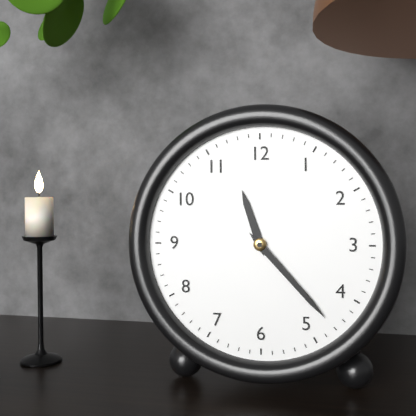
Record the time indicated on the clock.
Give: 11:23
